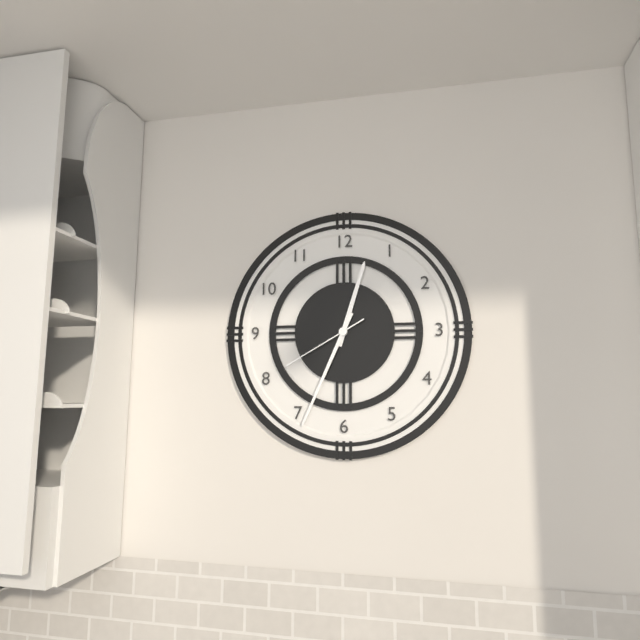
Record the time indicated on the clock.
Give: 12:34:40
